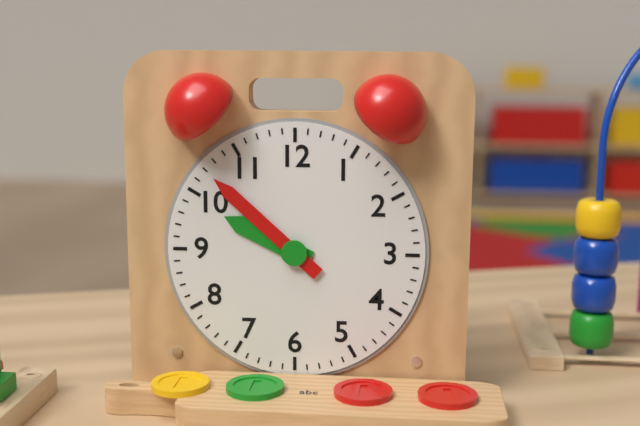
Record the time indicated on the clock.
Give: 9:52
